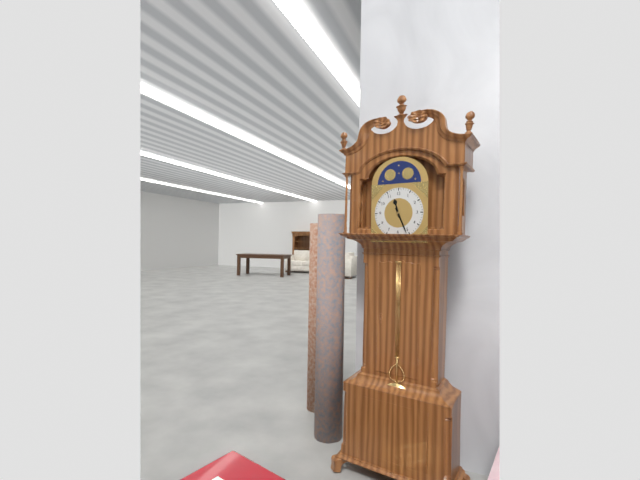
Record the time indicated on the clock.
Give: 11:26
